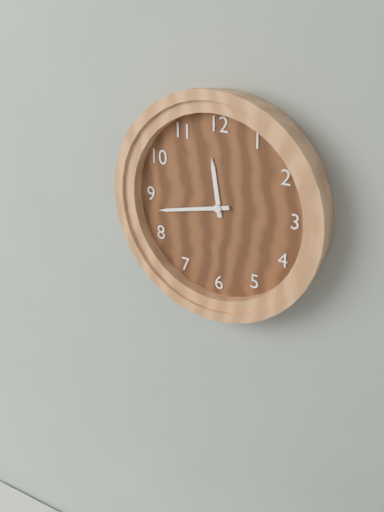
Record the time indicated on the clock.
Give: 11:43
